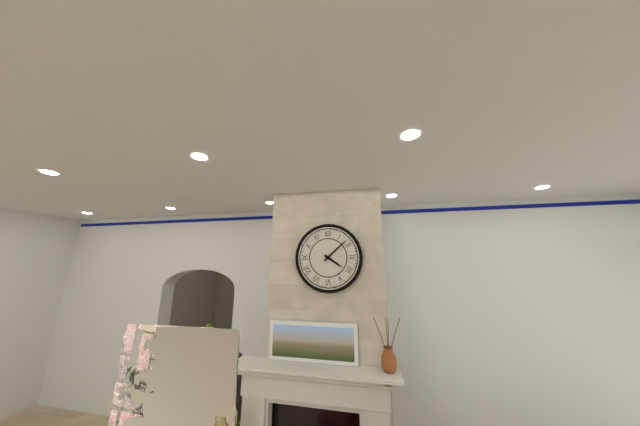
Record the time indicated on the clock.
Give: 4:08
